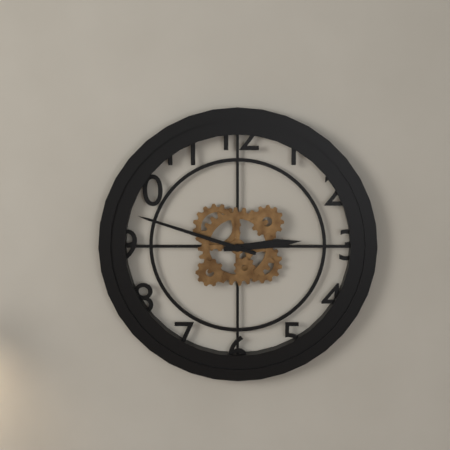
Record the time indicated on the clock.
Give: 2:48
